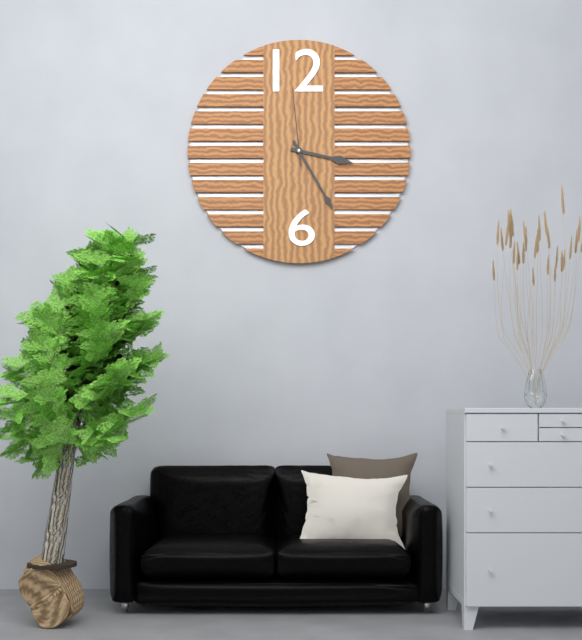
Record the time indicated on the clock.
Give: 3:25:59
